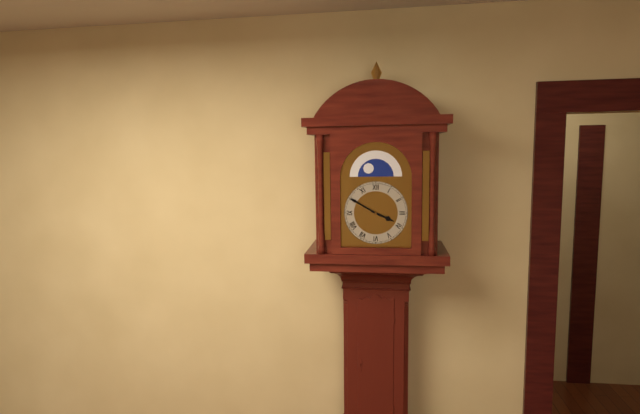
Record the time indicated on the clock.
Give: 3:50
